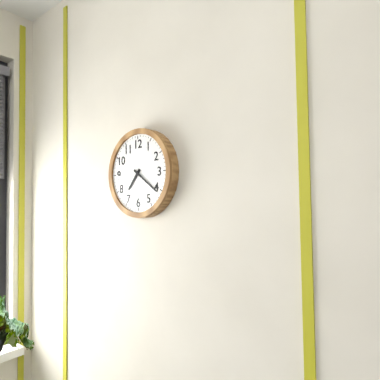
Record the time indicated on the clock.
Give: 7:21
